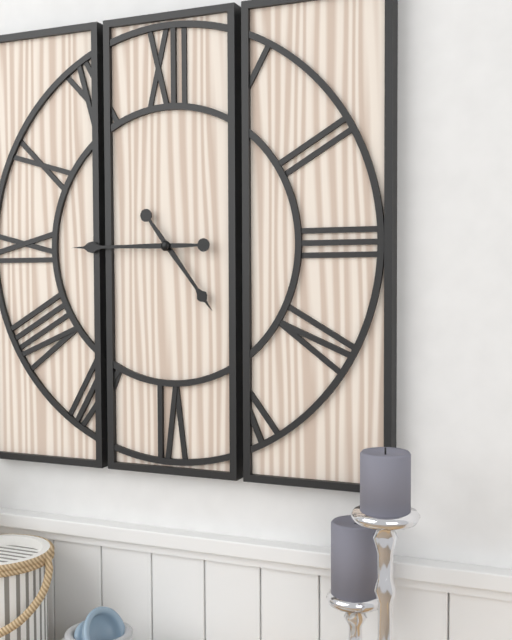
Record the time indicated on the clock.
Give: 4:45
